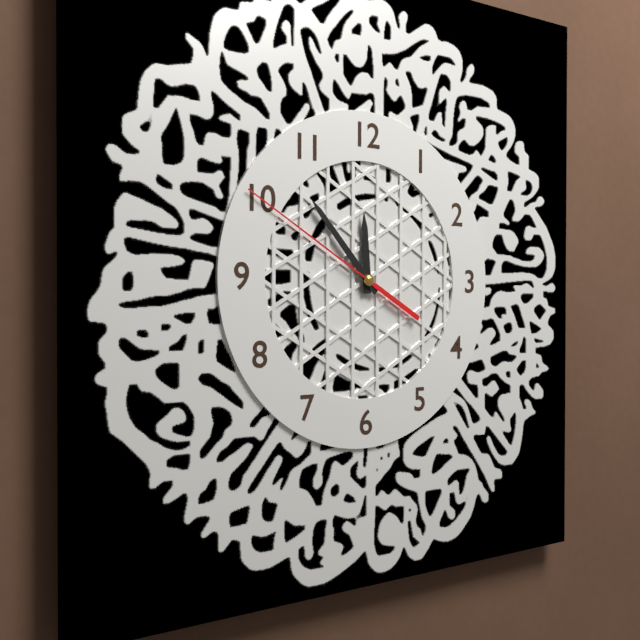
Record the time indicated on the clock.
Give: 11:53:50
